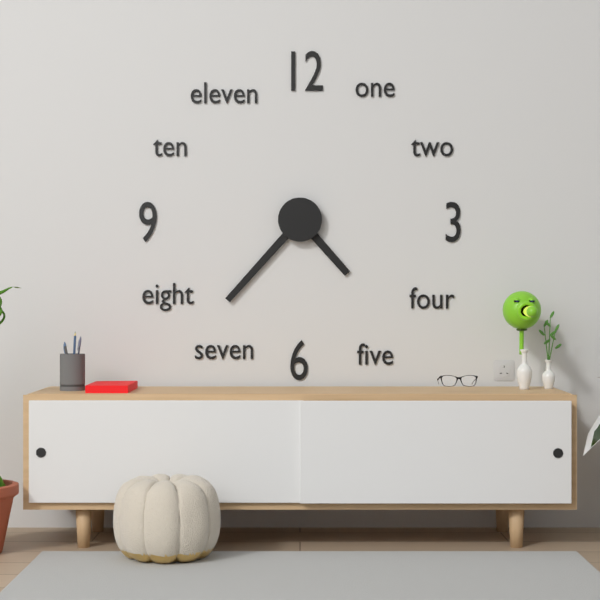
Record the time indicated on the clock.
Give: 4:37
